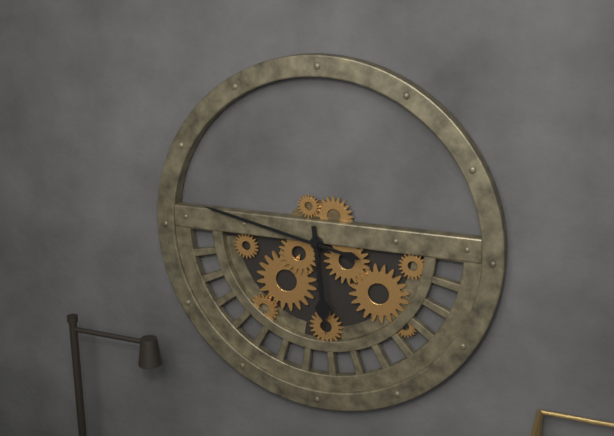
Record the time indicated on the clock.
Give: 5:47
